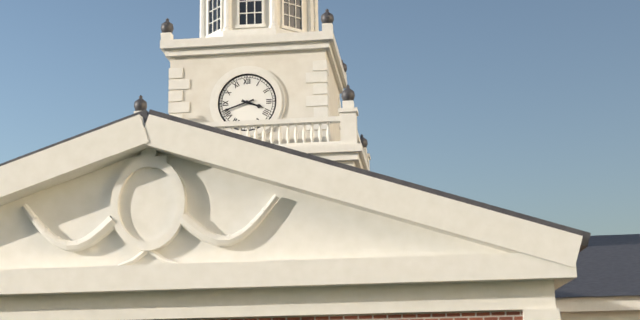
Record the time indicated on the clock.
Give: 3:42
